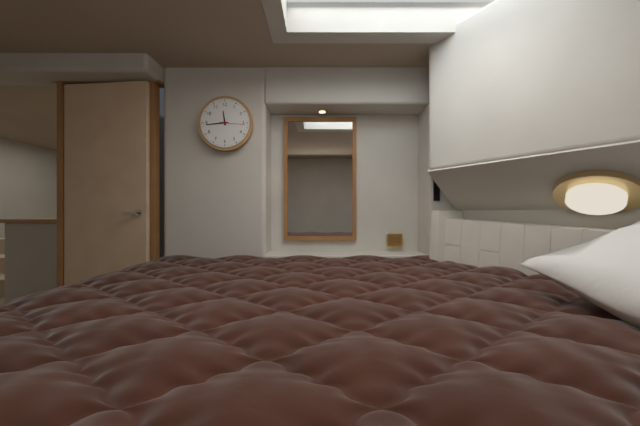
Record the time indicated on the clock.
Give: 11:44
